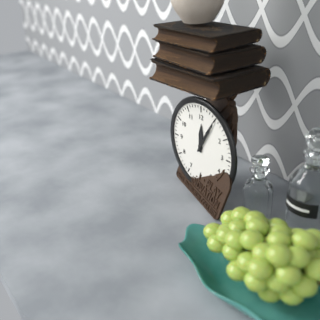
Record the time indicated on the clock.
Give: 12:05
